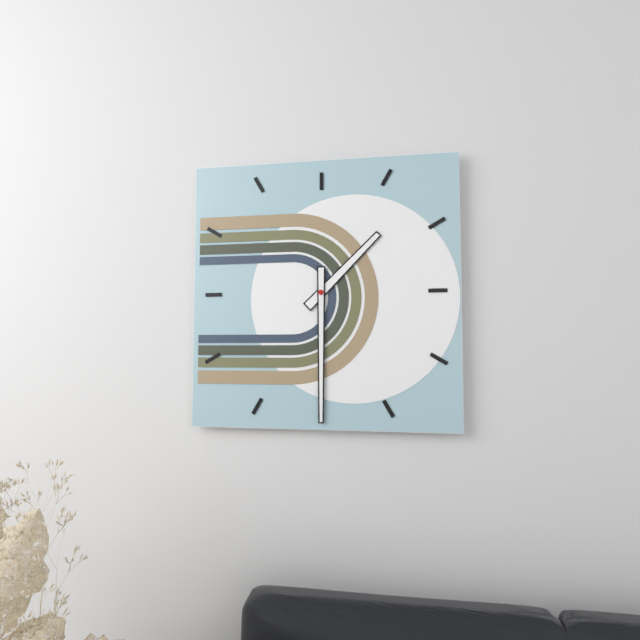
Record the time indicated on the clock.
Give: 1:30
